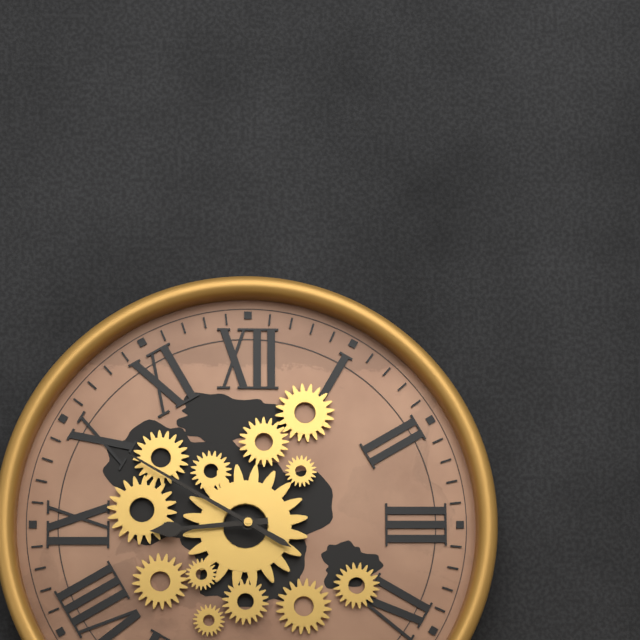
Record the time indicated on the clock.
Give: 8:50
